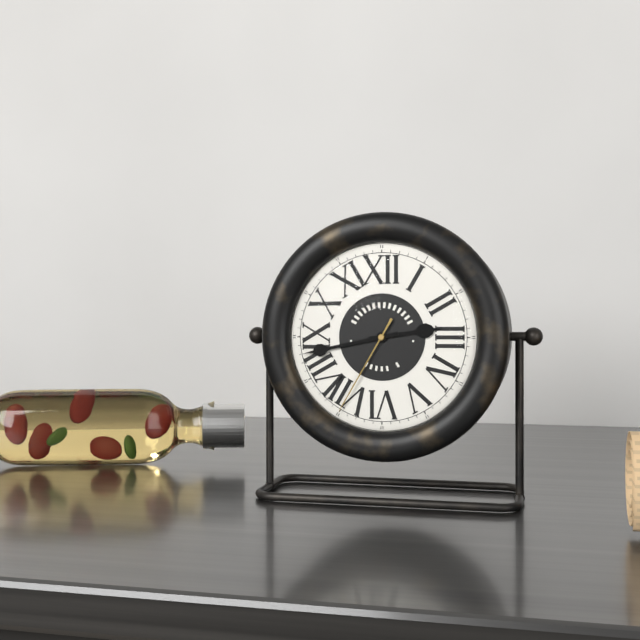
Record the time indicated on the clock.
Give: 2:43:35
